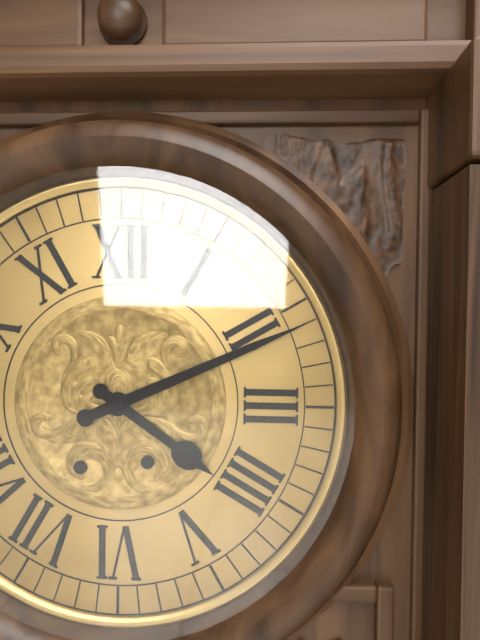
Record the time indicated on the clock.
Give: 4:11
